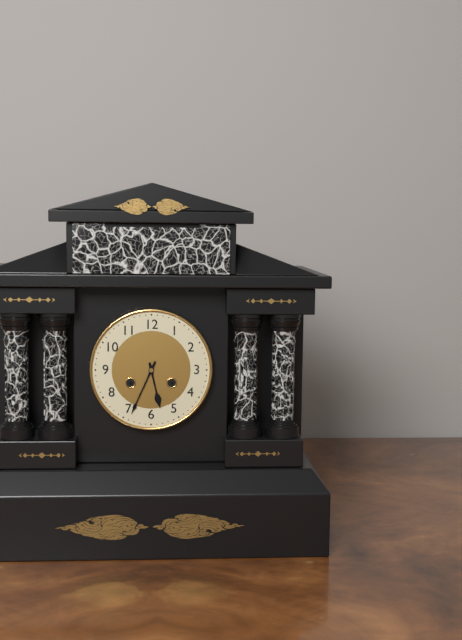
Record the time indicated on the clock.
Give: 5:34
